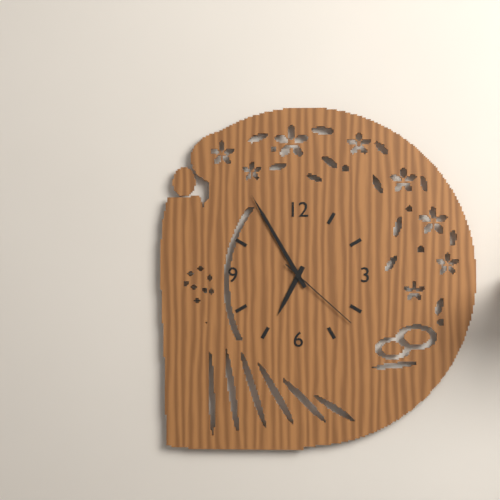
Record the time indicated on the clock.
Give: 6:55:22
